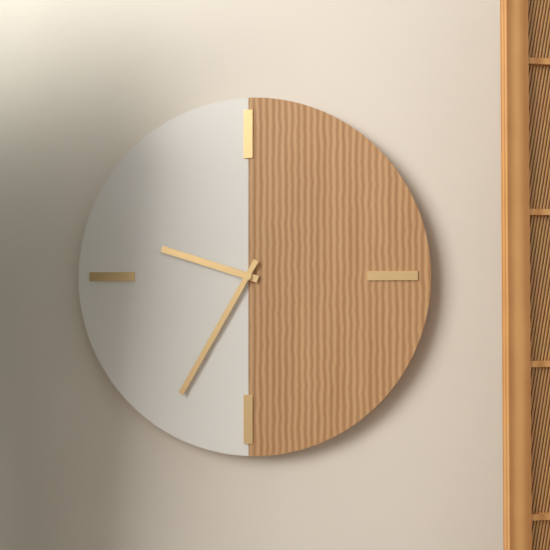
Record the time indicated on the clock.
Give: 9:35
